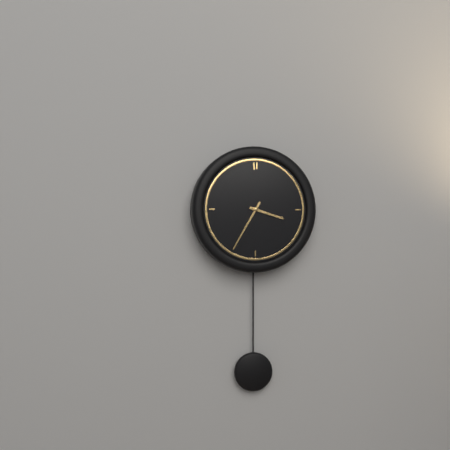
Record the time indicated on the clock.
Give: 3:35
